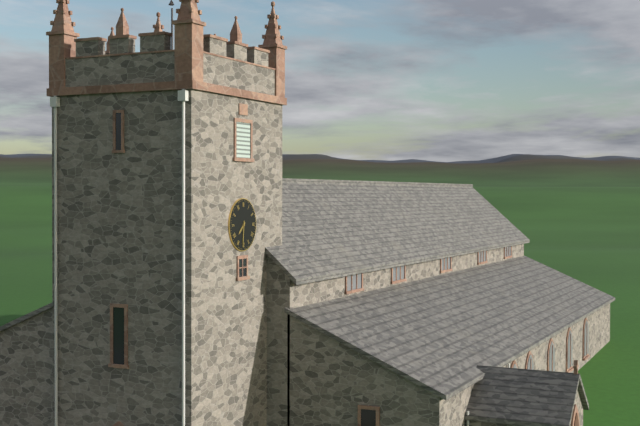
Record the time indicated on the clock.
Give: 7:31
